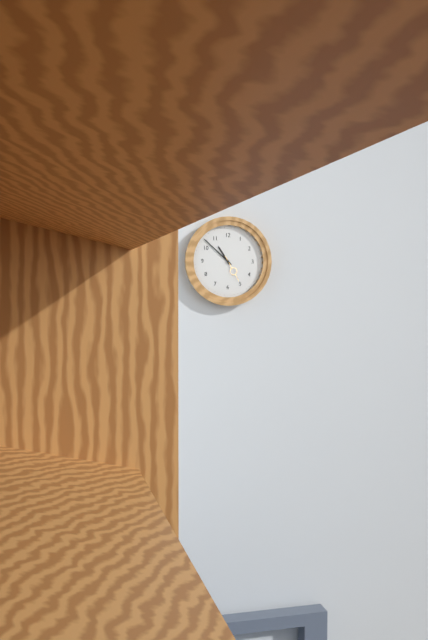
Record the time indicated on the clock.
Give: 10:52
